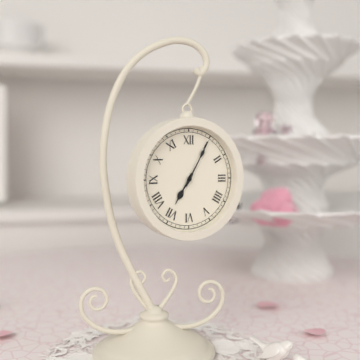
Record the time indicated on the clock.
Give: 7:05
